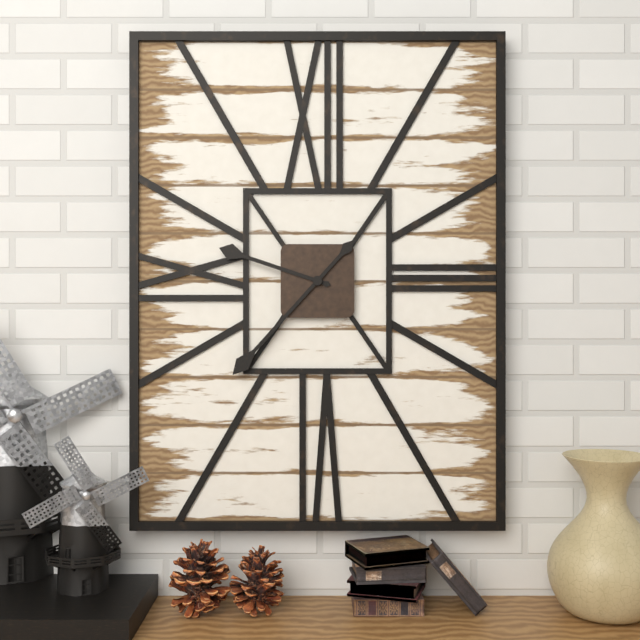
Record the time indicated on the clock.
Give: 9:37
